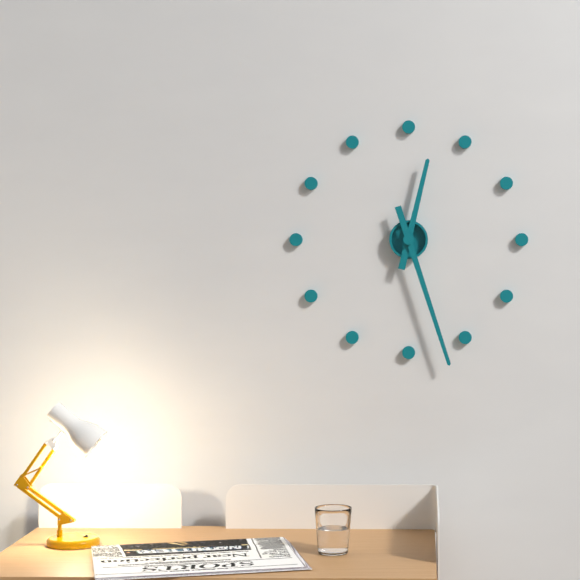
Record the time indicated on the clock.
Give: 12:27
